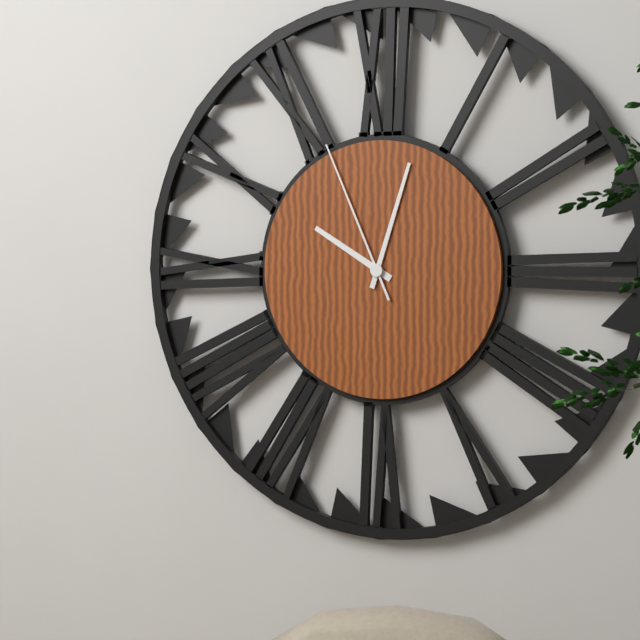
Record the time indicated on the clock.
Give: 10:03:56
